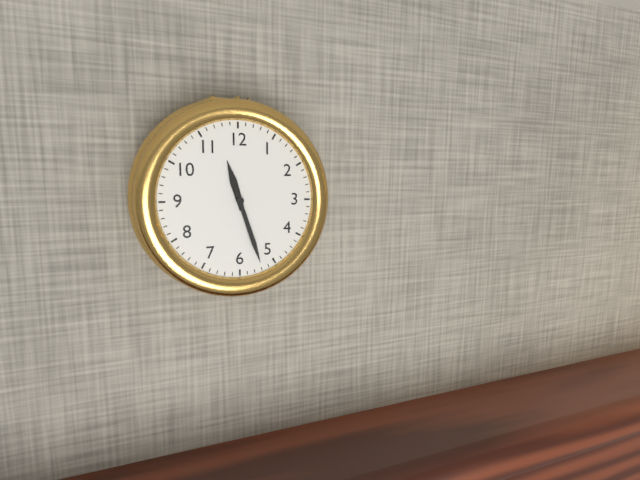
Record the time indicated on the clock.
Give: 11:27
